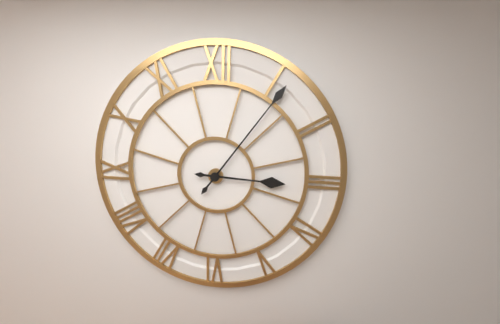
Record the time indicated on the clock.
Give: 3:06
